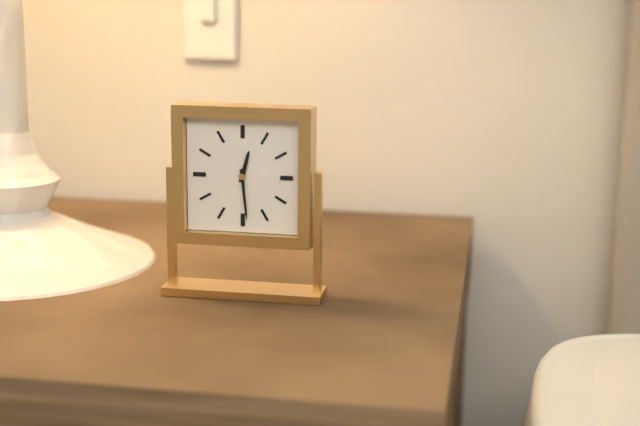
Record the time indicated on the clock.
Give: 12:29
